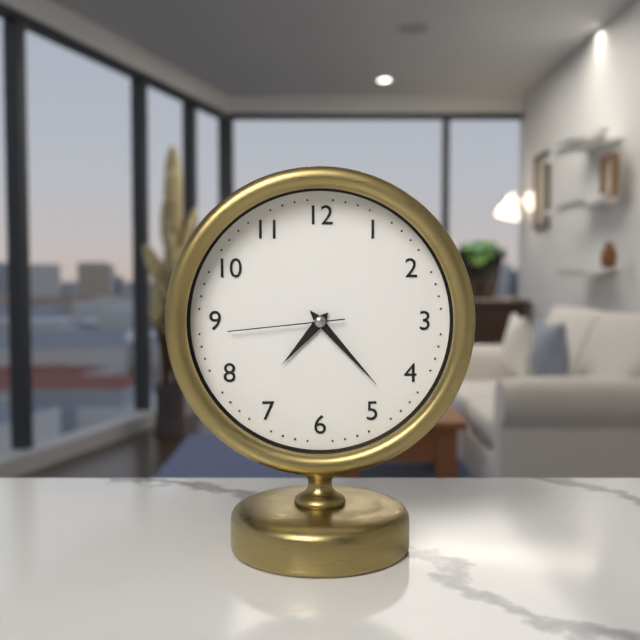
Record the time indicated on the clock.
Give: 7:23:44
